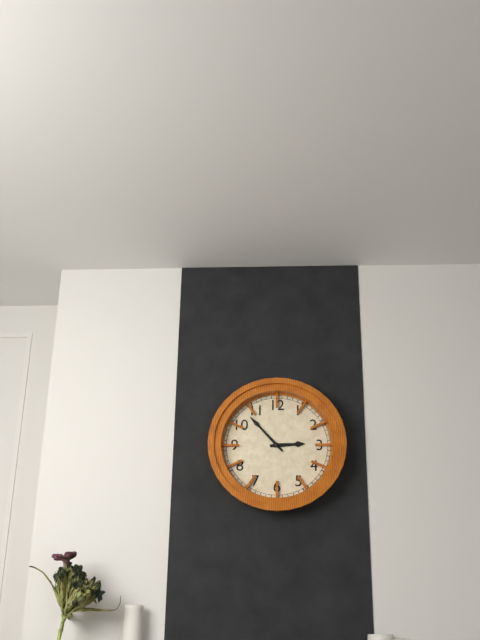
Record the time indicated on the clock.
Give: 2:53
